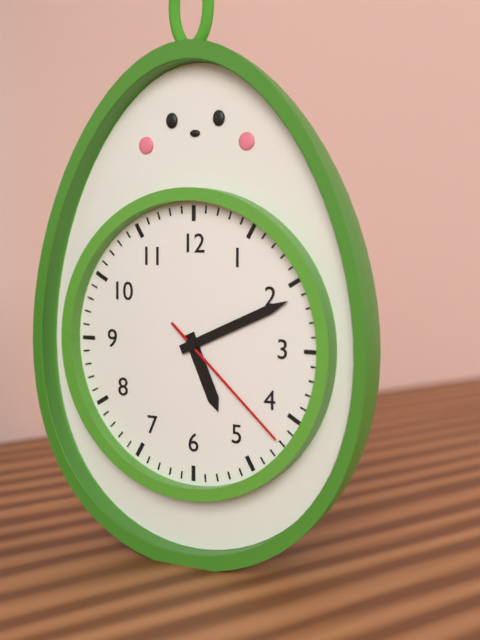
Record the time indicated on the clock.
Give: 5:11:22
